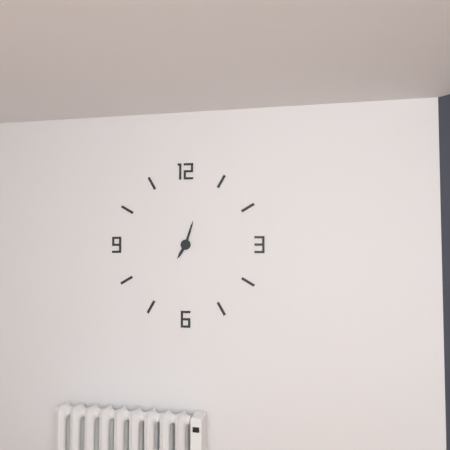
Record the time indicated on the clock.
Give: 7:03
